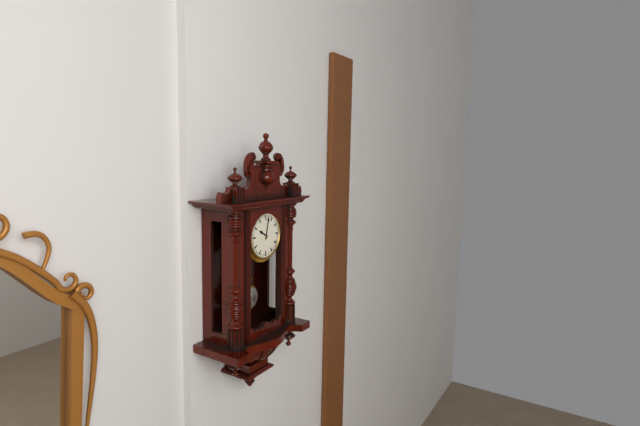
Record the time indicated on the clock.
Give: 10:02
